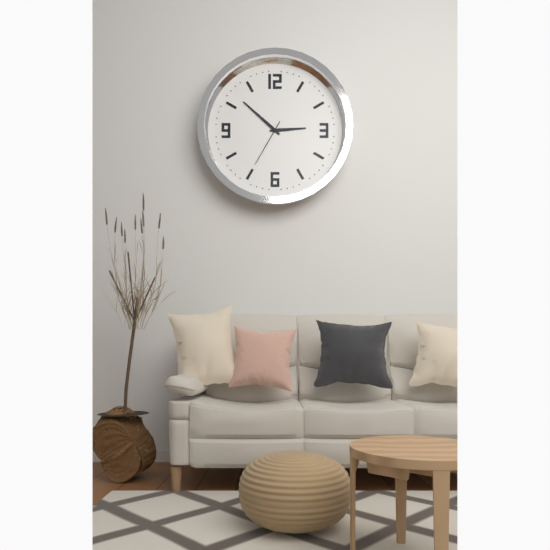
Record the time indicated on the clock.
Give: 2:52
